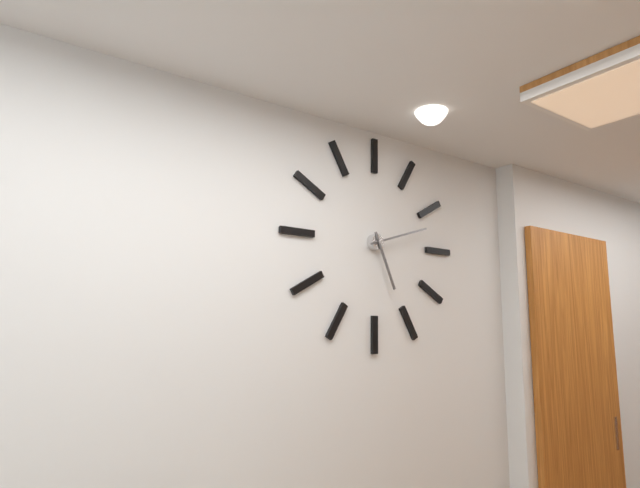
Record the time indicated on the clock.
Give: 5:12
